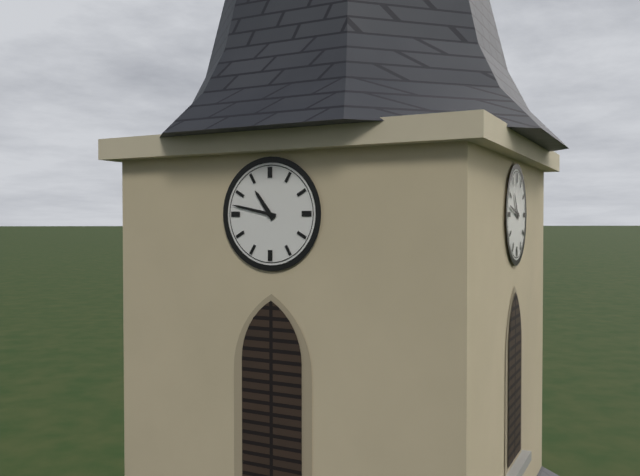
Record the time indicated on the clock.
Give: 10:47
